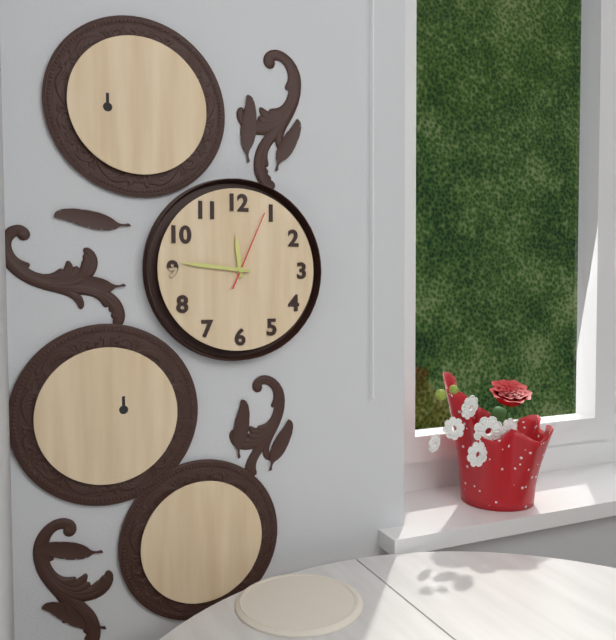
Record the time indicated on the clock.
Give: 11:46:04
